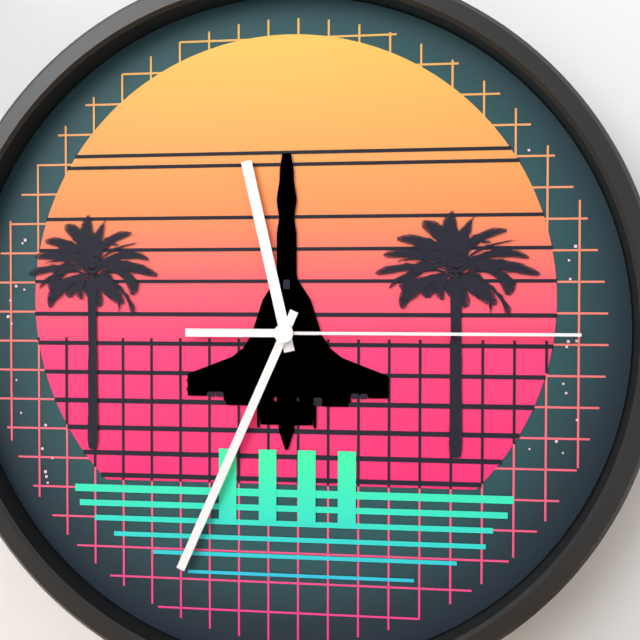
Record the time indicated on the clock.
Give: 11:34:15
